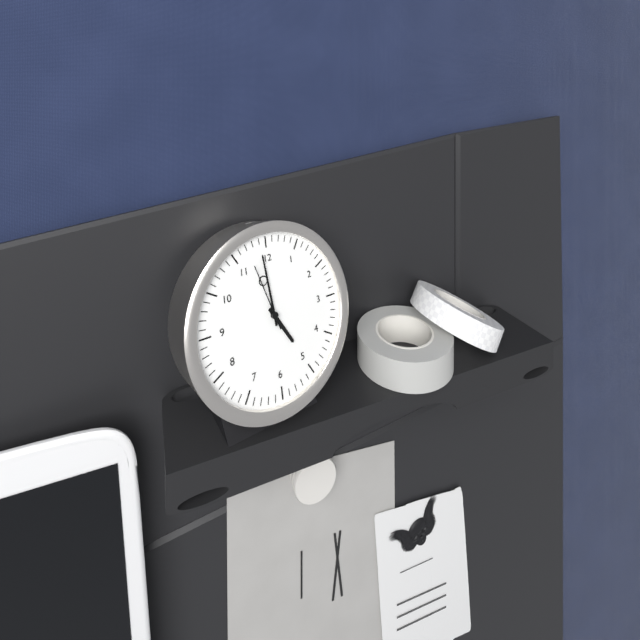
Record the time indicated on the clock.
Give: 4:59:57
